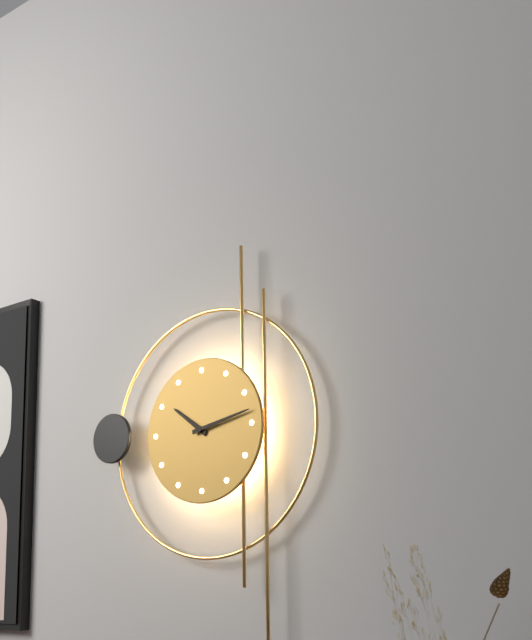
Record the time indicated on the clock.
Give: 10:13
